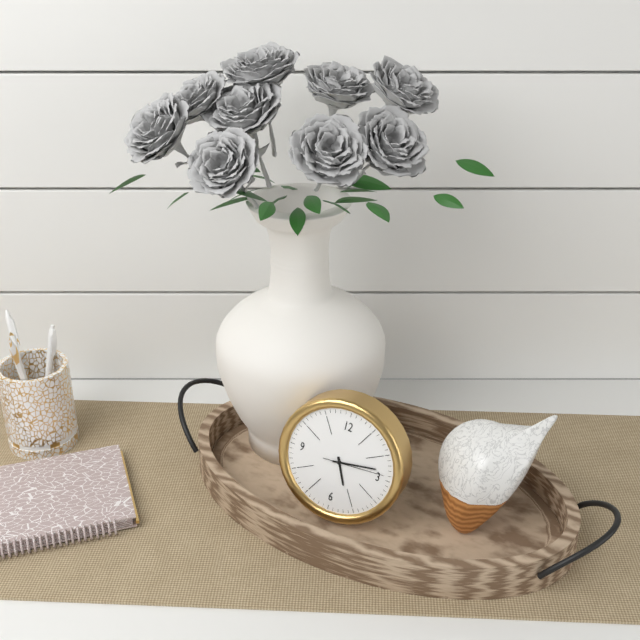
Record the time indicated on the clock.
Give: 5:13:14
